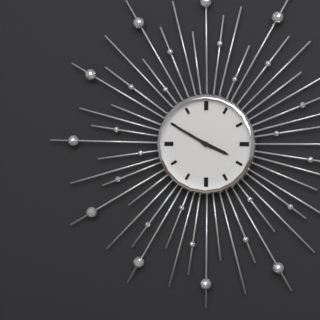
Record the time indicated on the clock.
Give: 3:50
